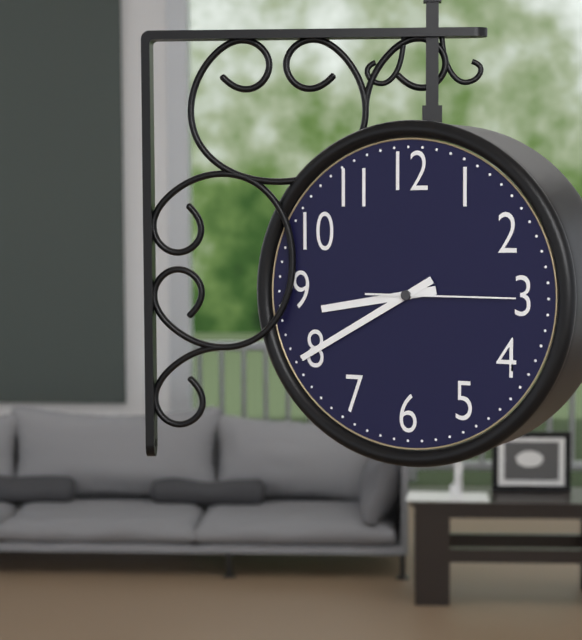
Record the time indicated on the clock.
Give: 8:40:15
